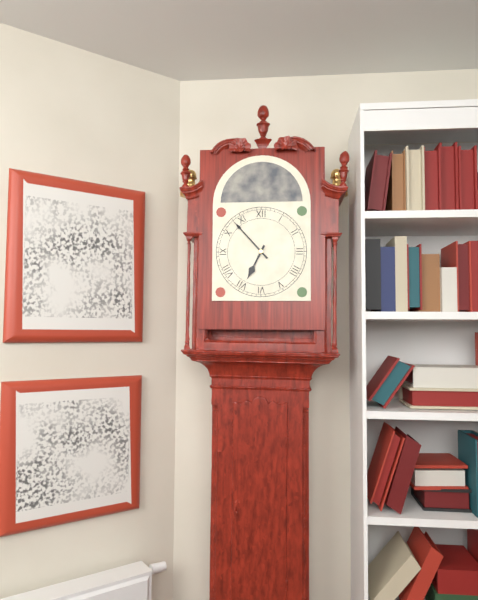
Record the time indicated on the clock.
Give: 6:53
